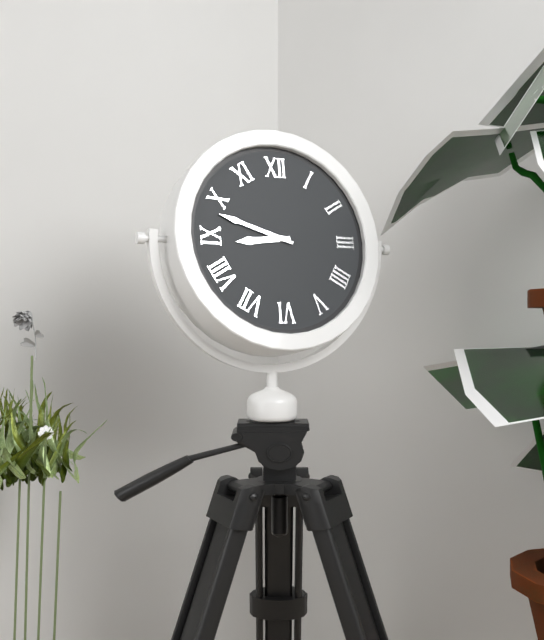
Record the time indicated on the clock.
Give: 8:48
